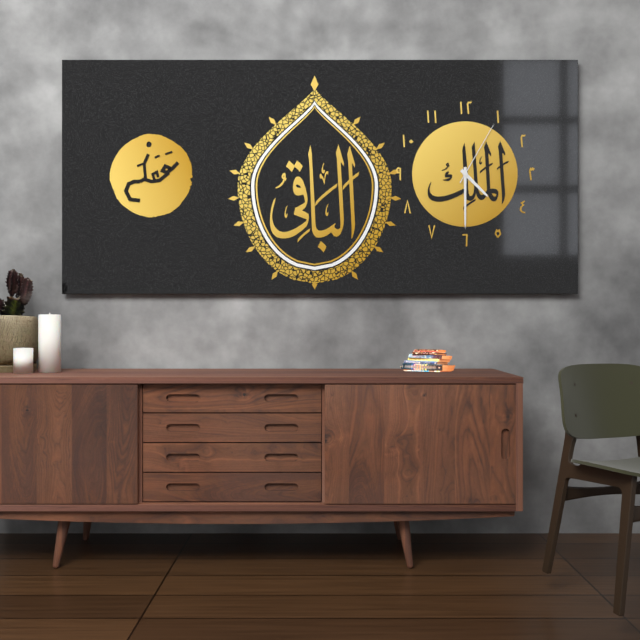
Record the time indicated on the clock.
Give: 4:30:05
